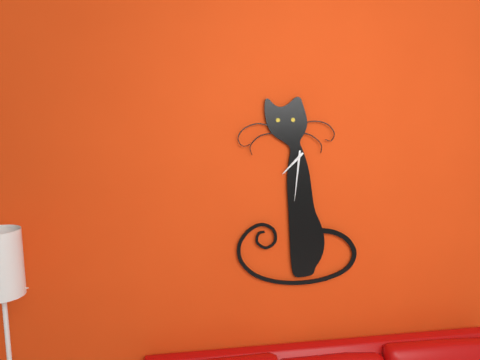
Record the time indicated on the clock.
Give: 7:31
